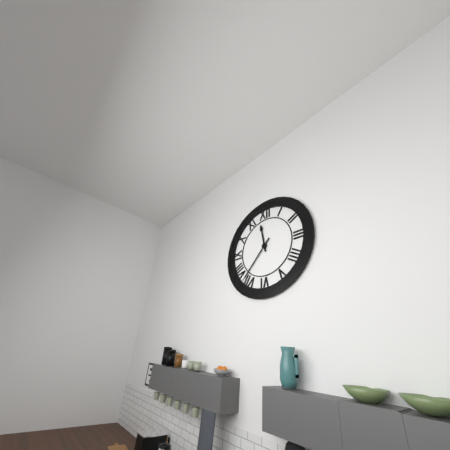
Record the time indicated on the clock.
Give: 11:37
